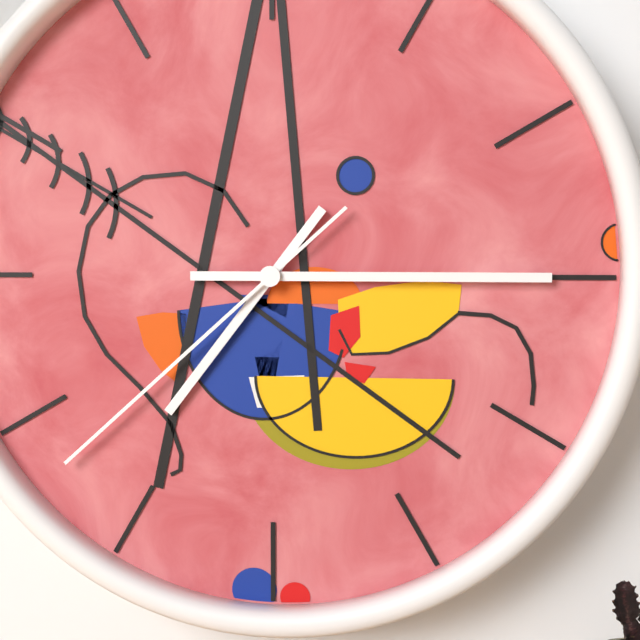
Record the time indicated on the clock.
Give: 7:15:38
